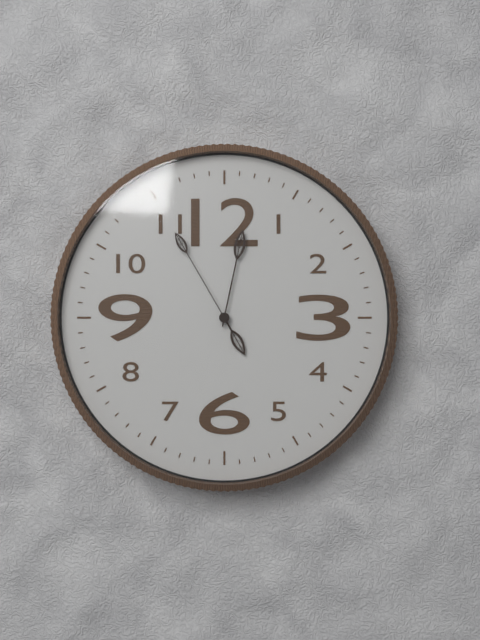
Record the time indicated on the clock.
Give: 5:02:55
